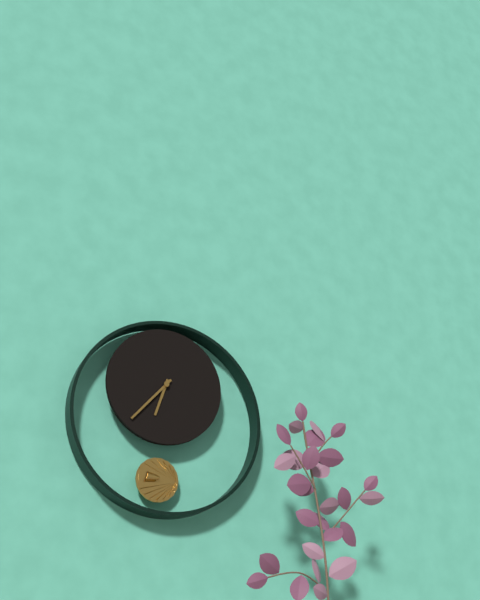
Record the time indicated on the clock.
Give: 6:37
